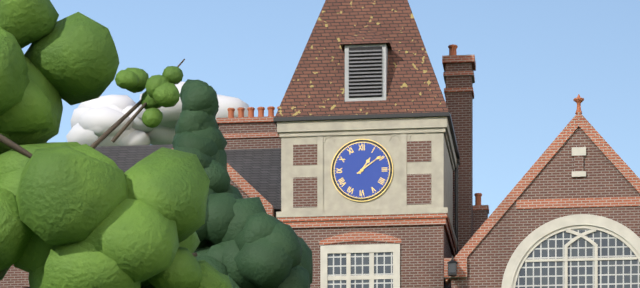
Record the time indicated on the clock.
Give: 1:09
